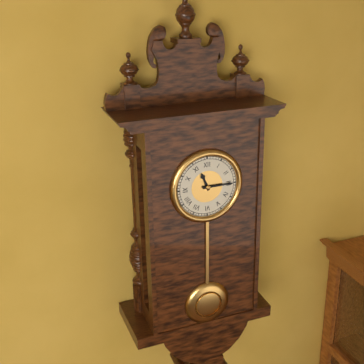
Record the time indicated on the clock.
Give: 11:15
